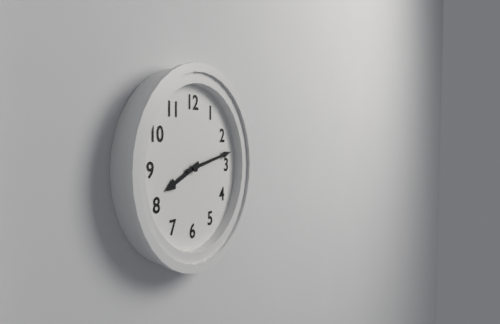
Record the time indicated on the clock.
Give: 8:13
